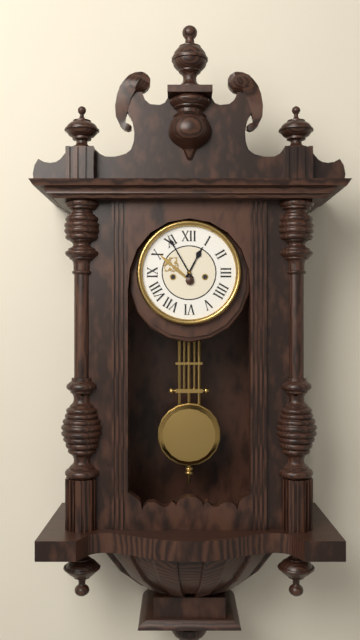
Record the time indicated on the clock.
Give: 12:55
